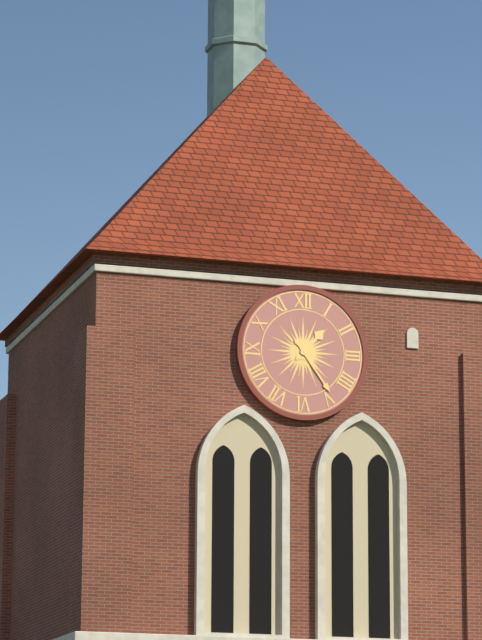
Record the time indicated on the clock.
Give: 1:24
